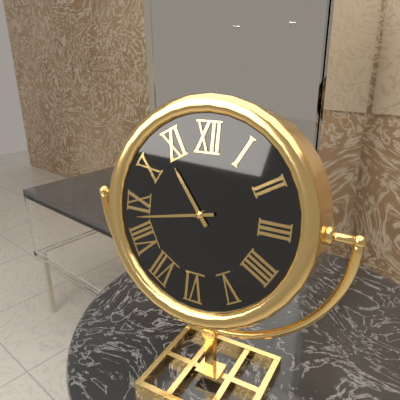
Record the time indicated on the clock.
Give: 10:43
